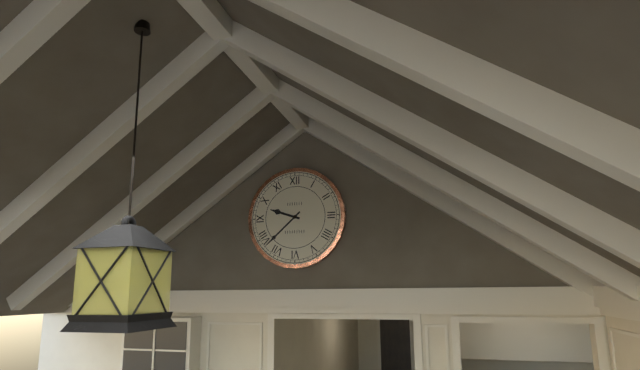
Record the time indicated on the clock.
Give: 9:38
